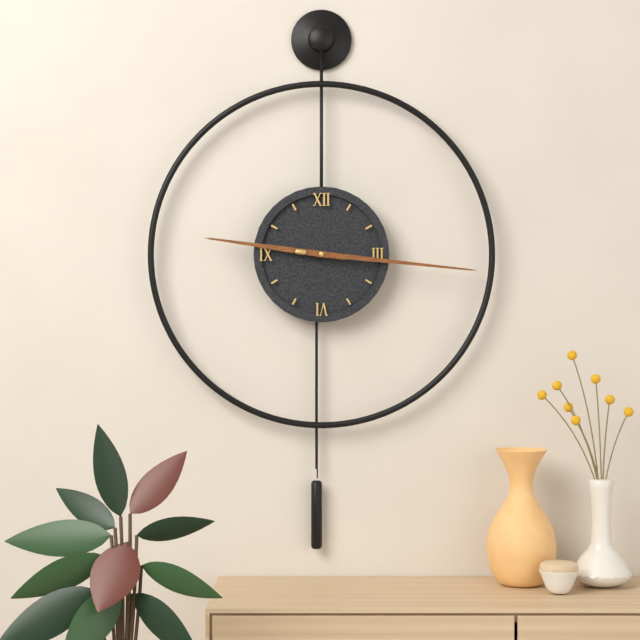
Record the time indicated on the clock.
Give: 9:16
